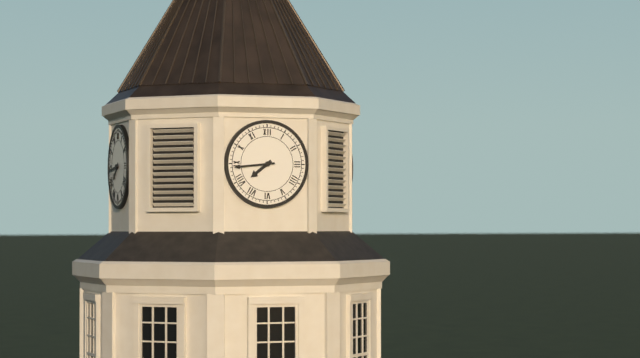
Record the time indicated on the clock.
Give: 7:44
